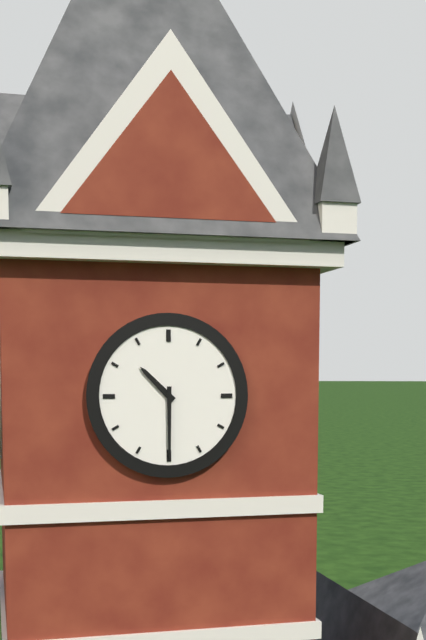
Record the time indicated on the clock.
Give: 10:30
